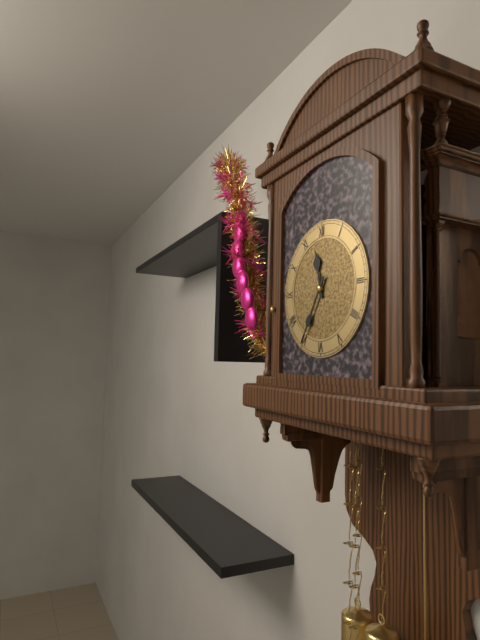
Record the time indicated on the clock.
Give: 11:35
